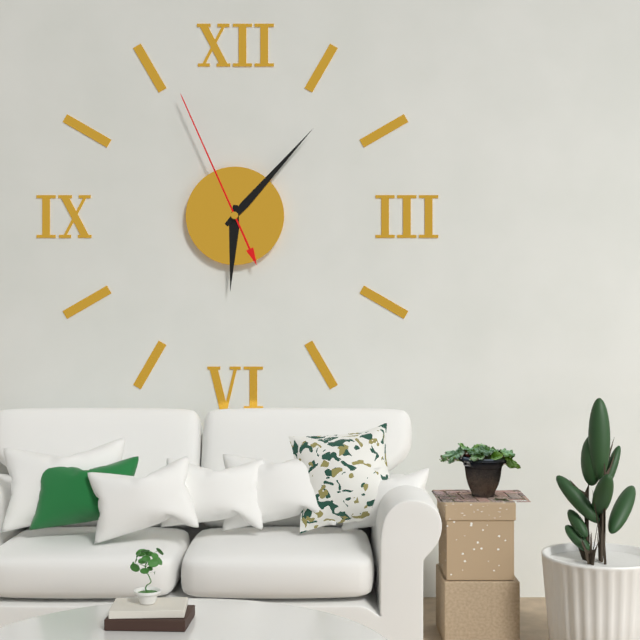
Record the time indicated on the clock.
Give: 6:07:56
